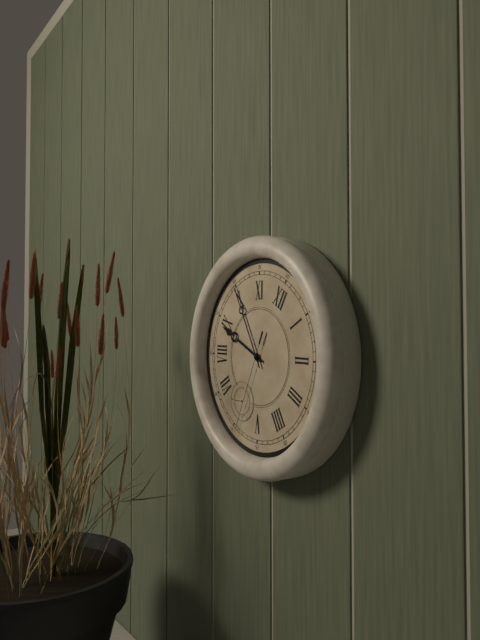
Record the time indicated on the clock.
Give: 8:50:29
